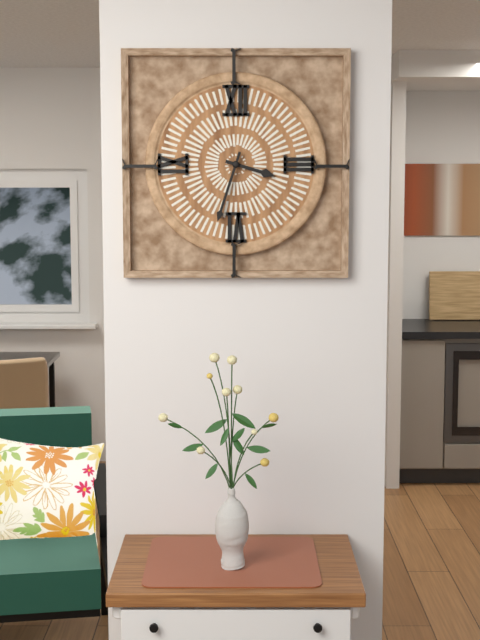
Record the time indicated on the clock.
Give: 3:33
